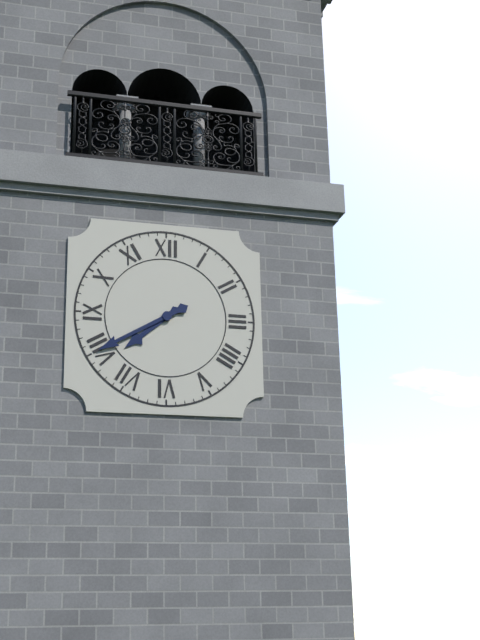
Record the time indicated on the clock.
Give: 7:40
